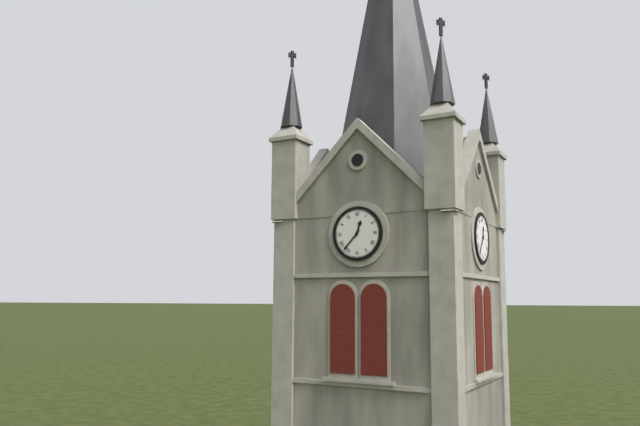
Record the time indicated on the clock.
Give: 12:37
